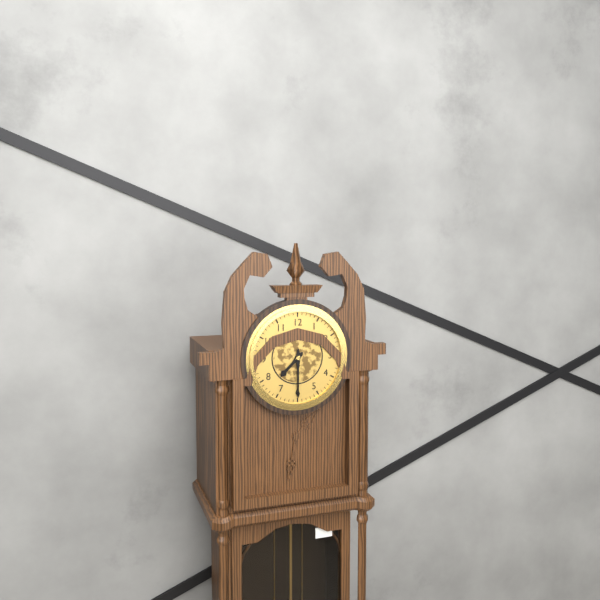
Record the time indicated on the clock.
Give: 7:30
